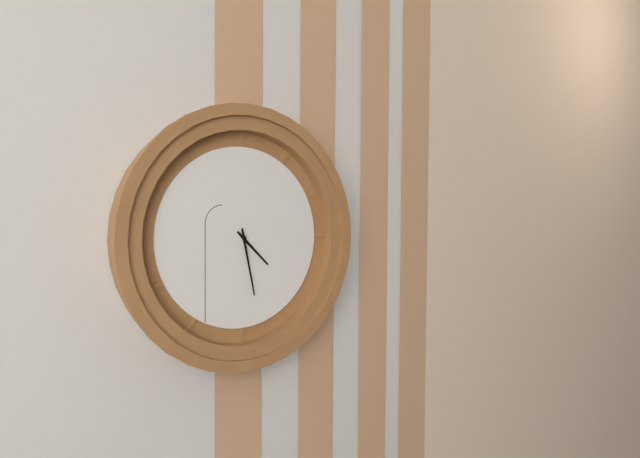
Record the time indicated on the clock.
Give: 4:28
